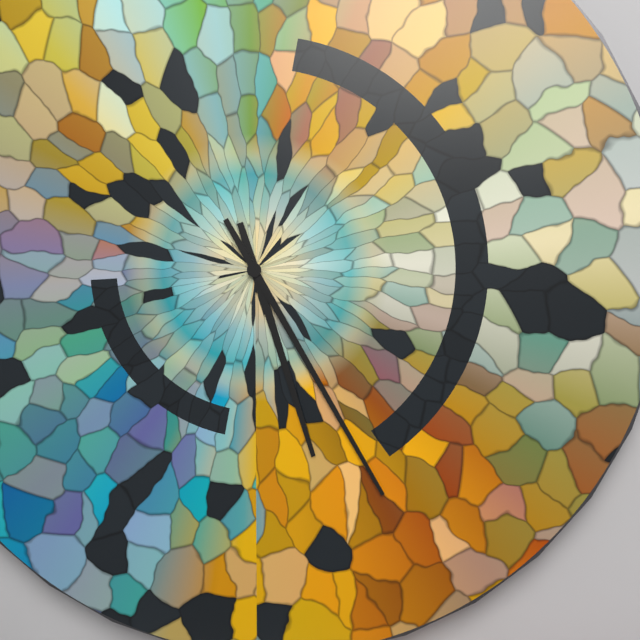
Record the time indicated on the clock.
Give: 5:25
